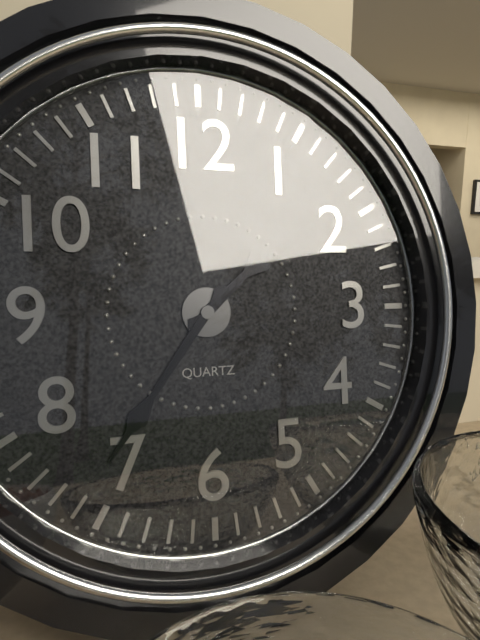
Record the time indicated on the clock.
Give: 1:36
